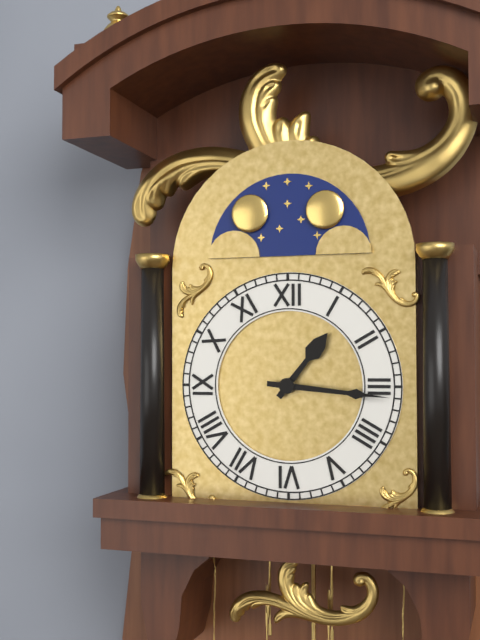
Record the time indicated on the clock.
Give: 1:16
